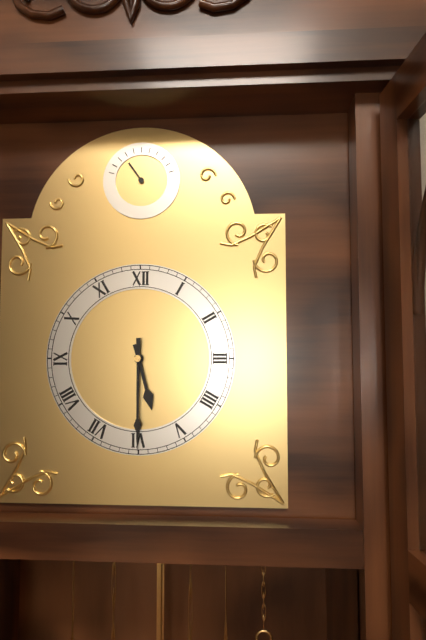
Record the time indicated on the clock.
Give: 5:30
